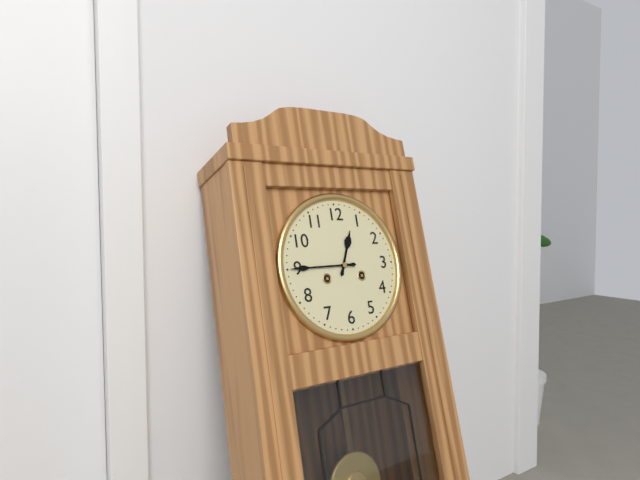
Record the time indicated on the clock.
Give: 12:45
